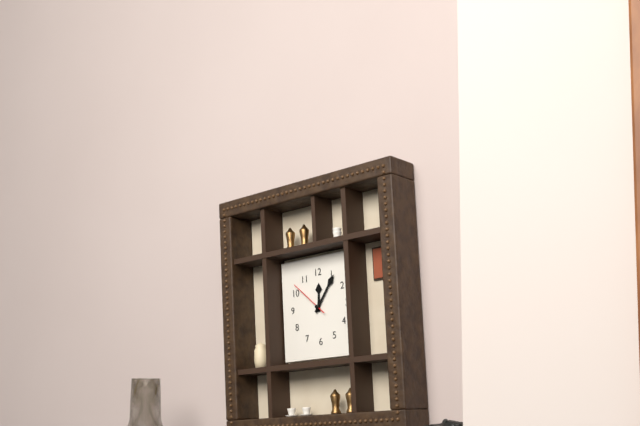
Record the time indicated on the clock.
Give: 12:06
